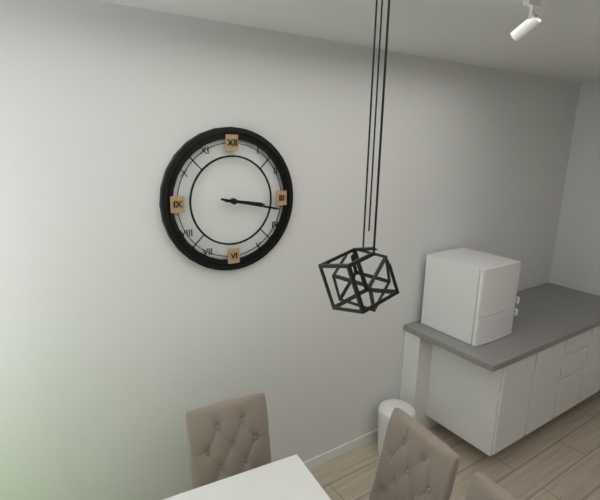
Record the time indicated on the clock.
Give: 3:17
